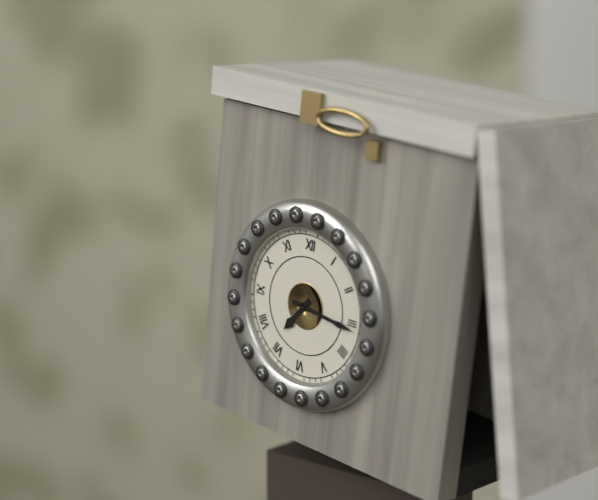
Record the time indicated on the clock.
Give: 7:16
